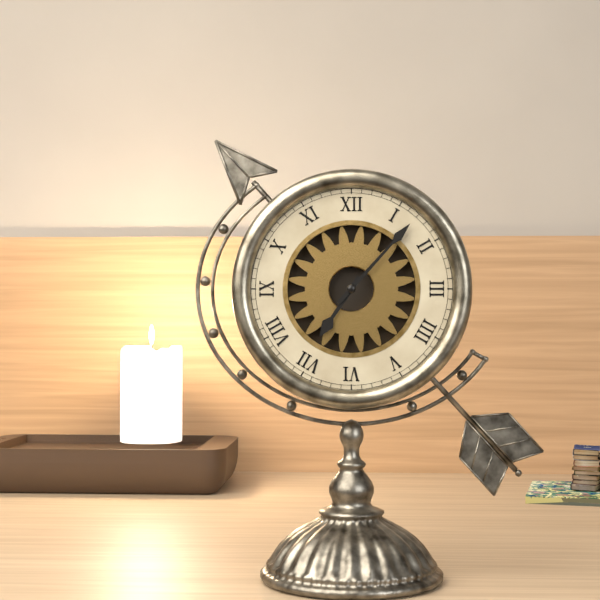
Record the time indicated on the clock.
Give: 7:07
